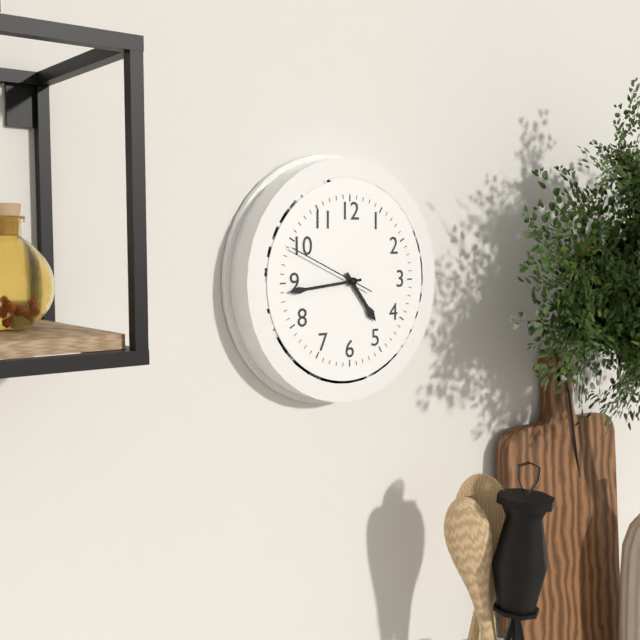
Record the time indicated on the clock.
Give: 4:44:49
